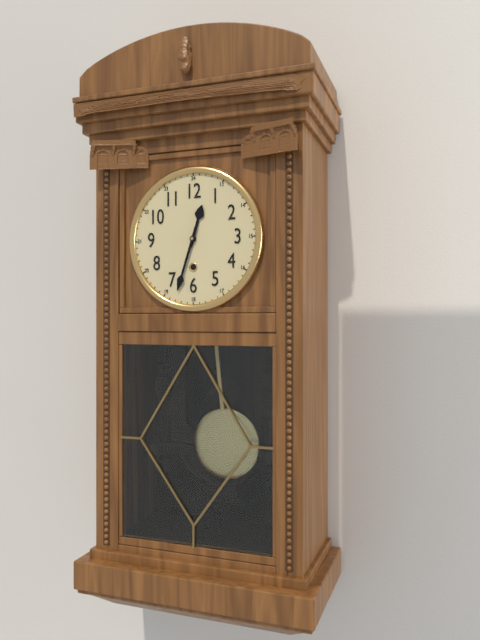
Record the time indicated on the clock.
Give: 12:33
